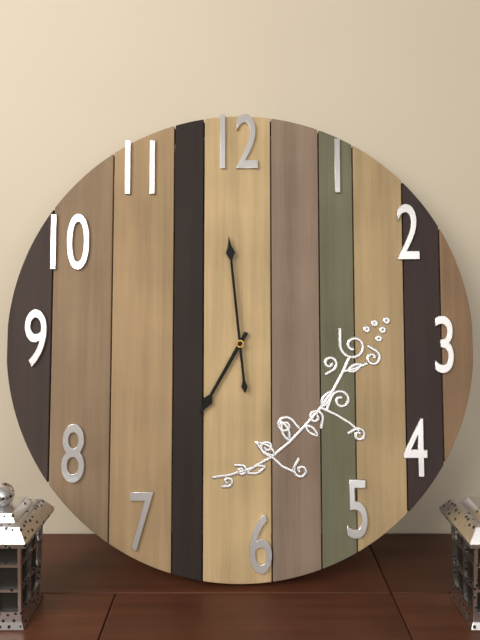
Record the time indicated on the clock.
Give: 6:59
